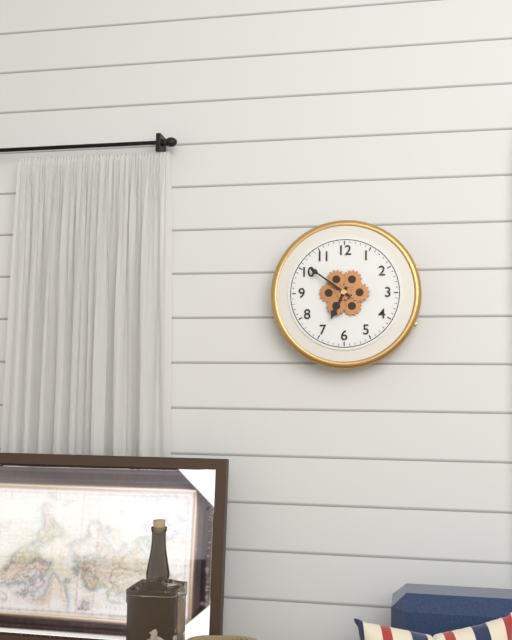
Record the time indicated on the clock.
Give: 6:51
